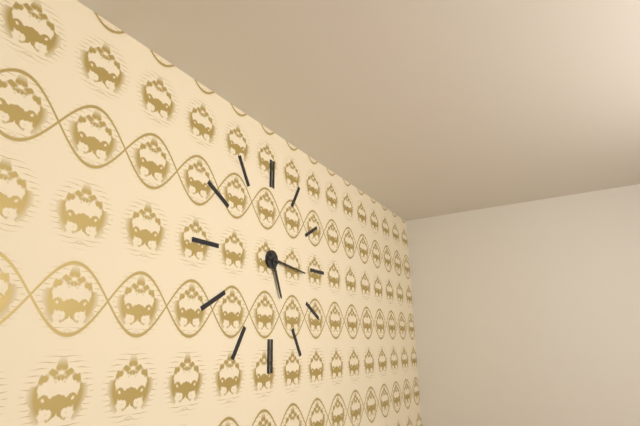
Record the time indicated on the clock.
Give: 5:16
